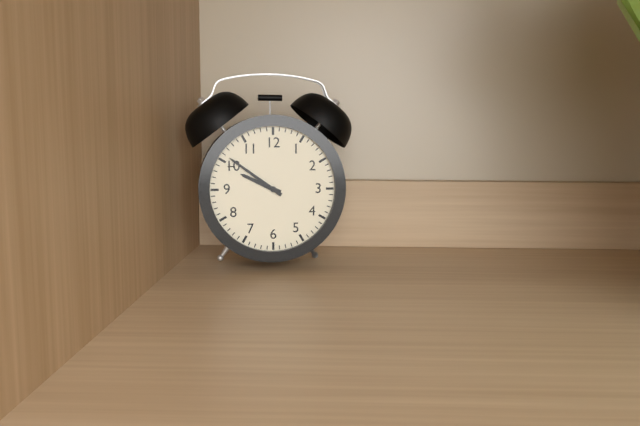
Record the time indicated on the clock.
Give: 9:51
